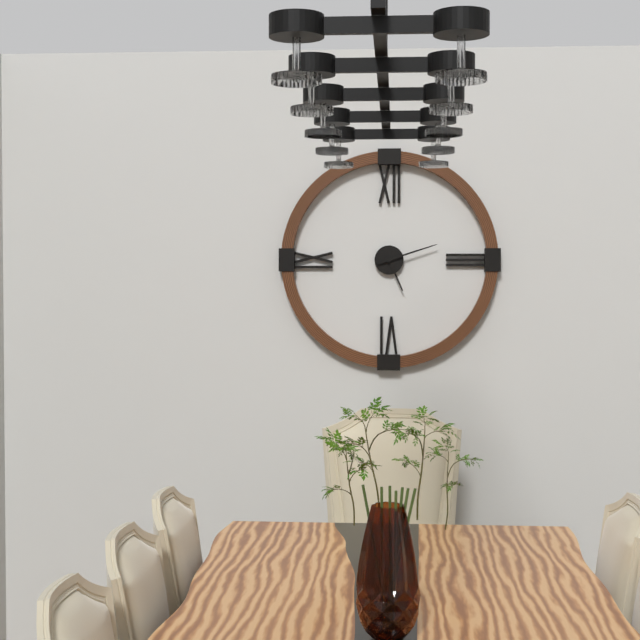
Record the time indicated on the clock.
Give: 5:12
